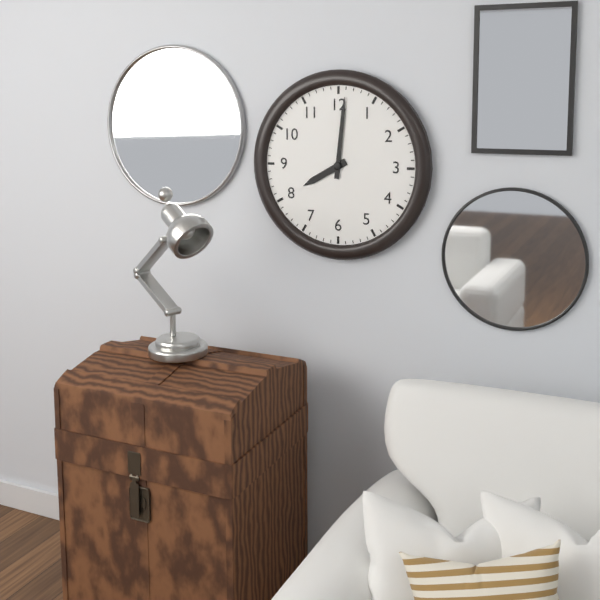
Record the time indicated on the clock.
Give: 8:01
